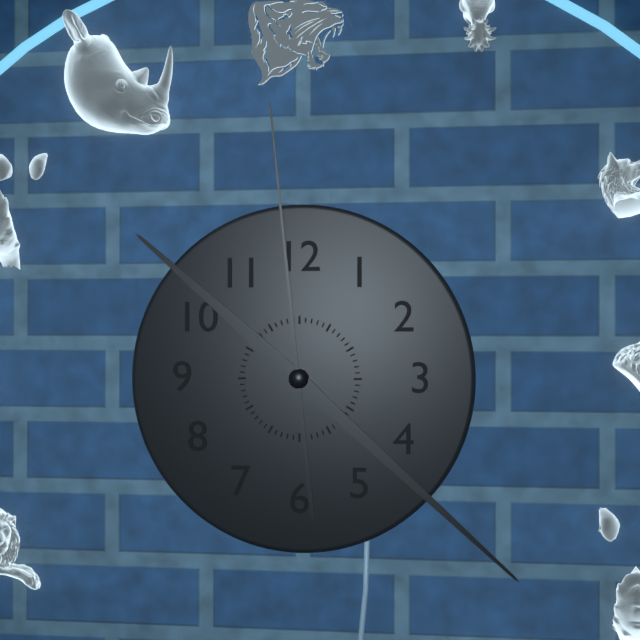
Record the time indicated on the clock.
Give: 10:22:59
